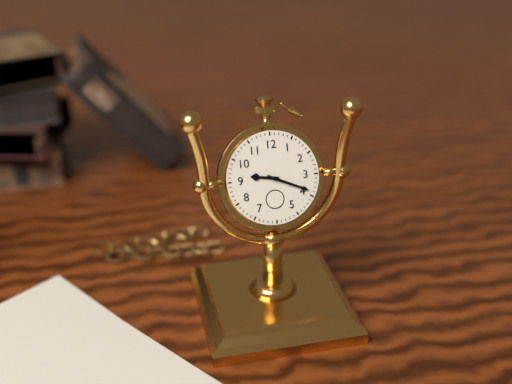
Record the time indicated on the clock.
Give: 9:19
